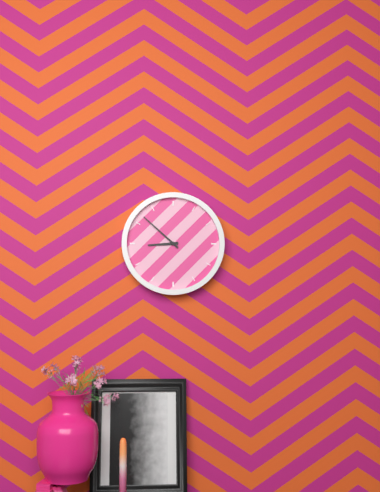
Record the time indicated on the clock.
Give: 8:52
